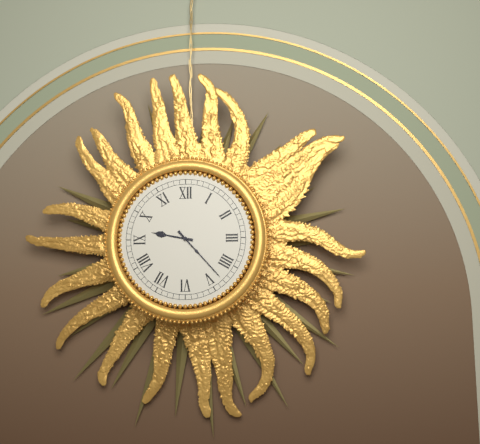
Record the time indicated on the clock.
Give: 9:23
